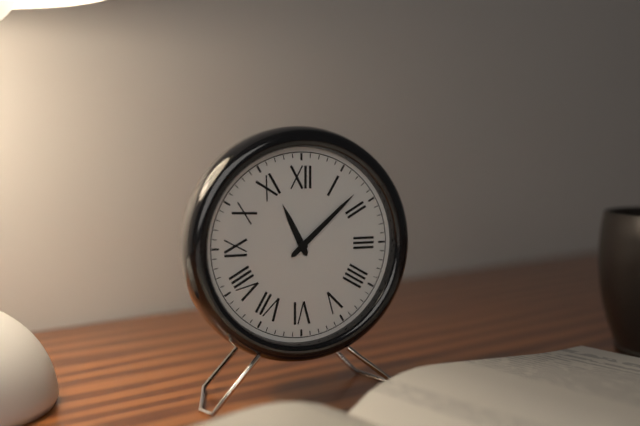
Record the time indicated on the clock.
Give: 11:08
